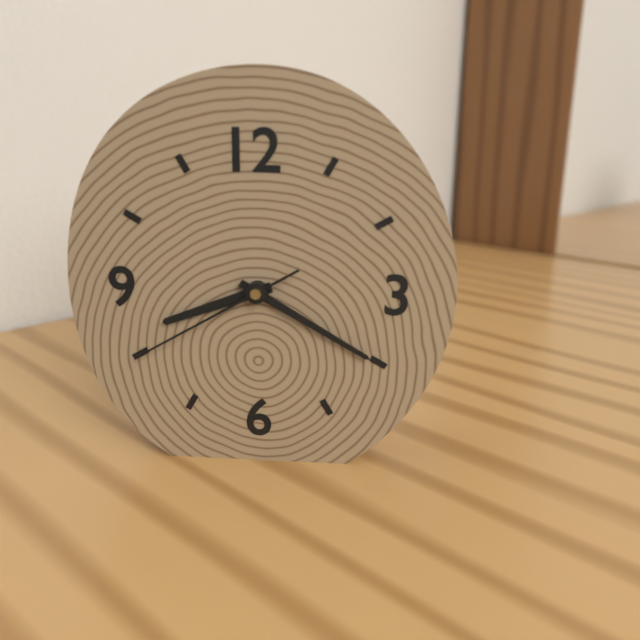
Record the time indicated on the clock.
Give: 8:20:40
